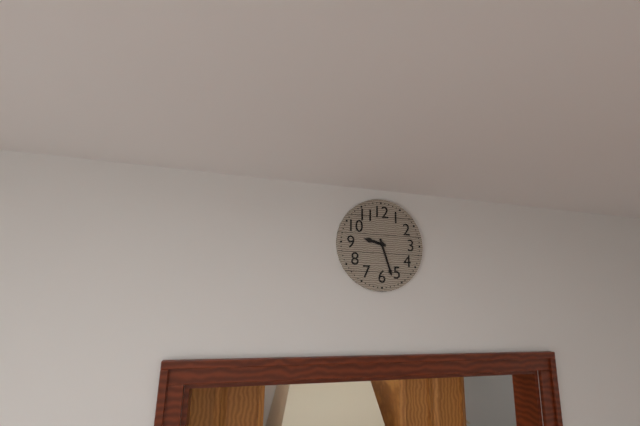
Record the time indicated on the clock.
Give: 9:27
